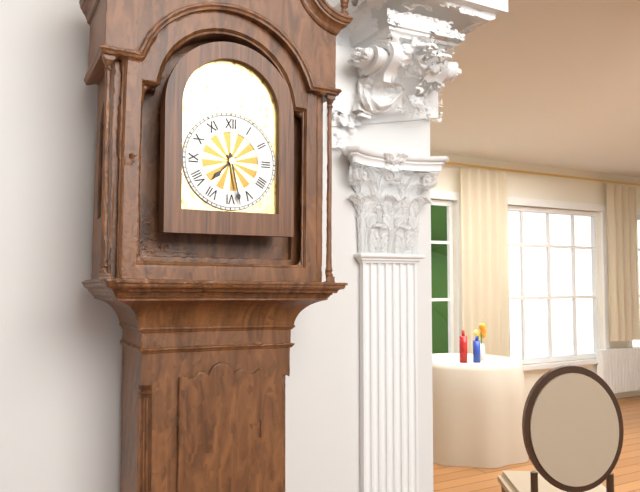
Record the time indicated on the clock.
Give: 7:28
